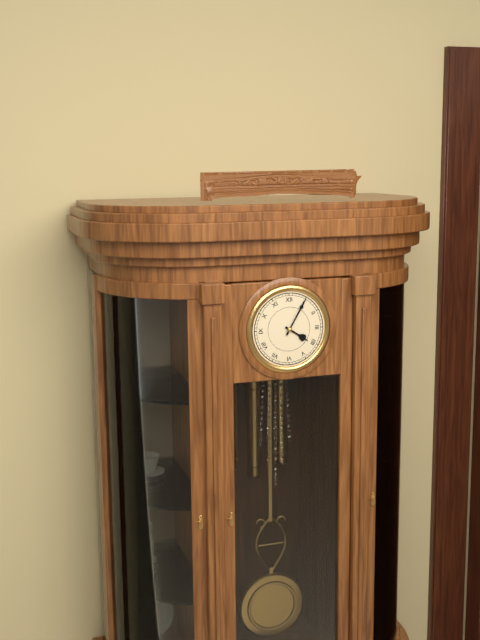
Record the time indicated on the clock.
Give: 4:05
